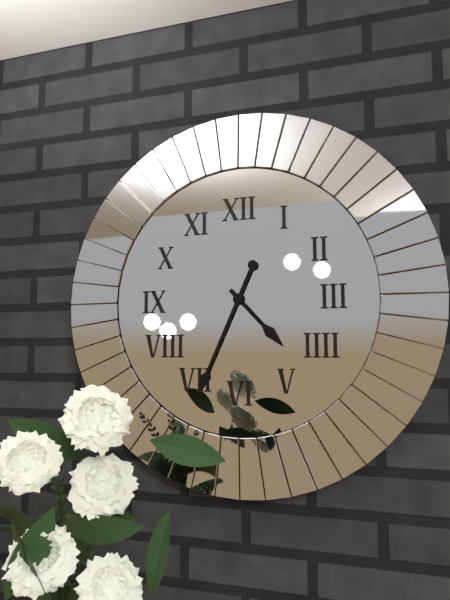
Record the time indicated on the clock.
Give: 4:34
